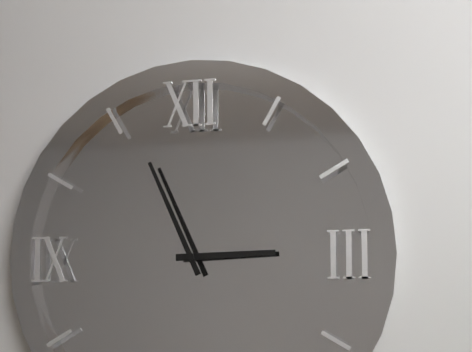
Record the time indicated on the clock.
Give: 2:56
